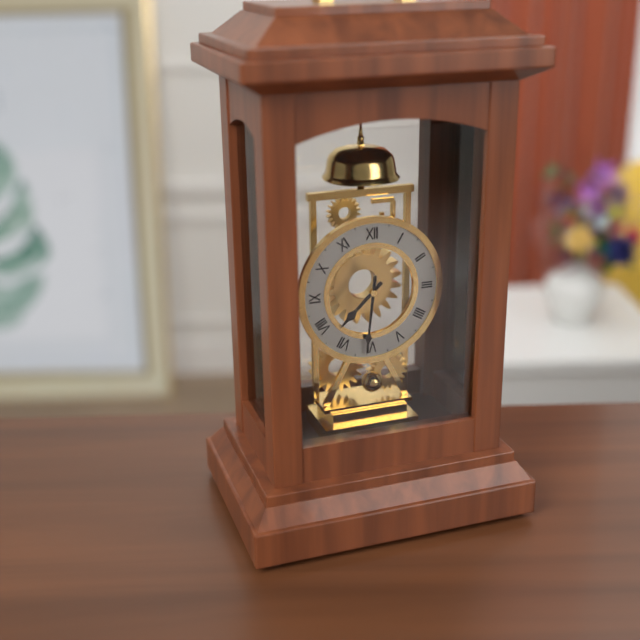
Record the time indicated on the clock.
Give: 7:31
